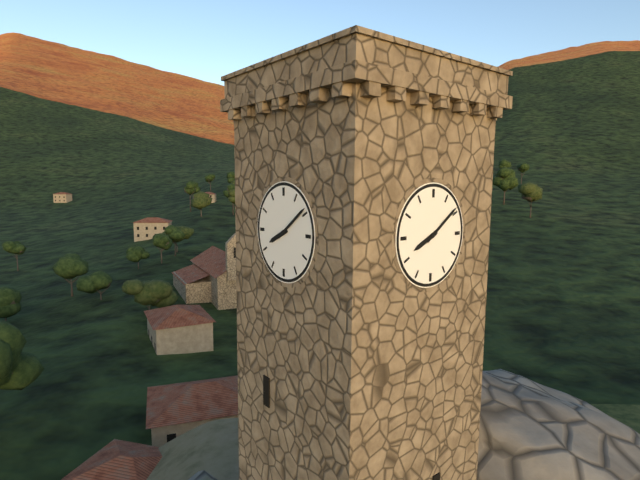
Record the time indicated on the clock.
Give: 8:09
